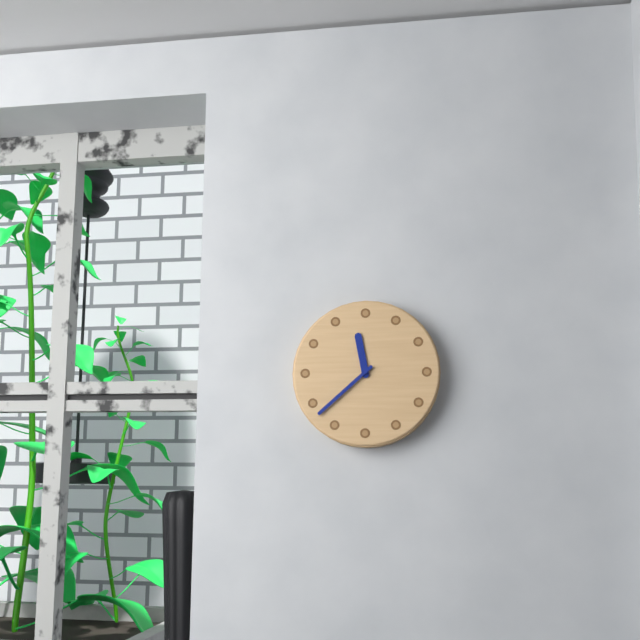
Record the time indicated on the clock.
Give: 11:38
